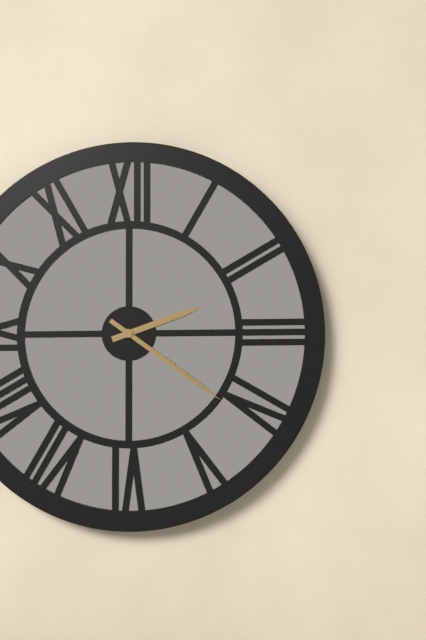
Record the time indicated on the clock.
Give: 2:21
